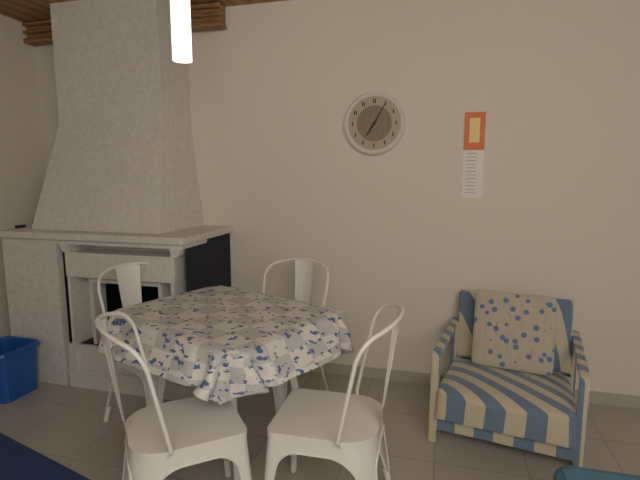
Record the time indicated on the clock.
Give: 7:05
